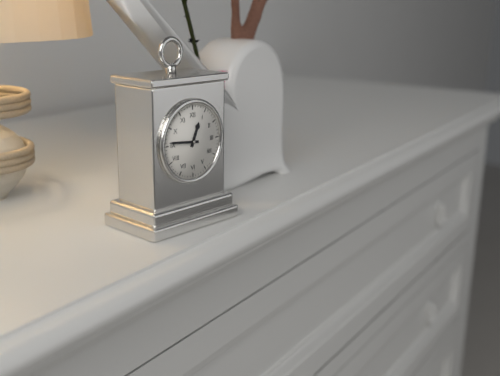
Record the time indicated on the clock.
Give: 12:46
